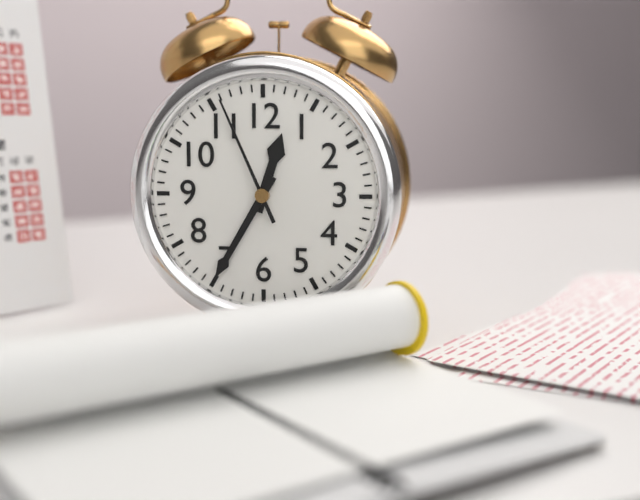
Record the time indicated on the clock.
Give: 12:35:56
